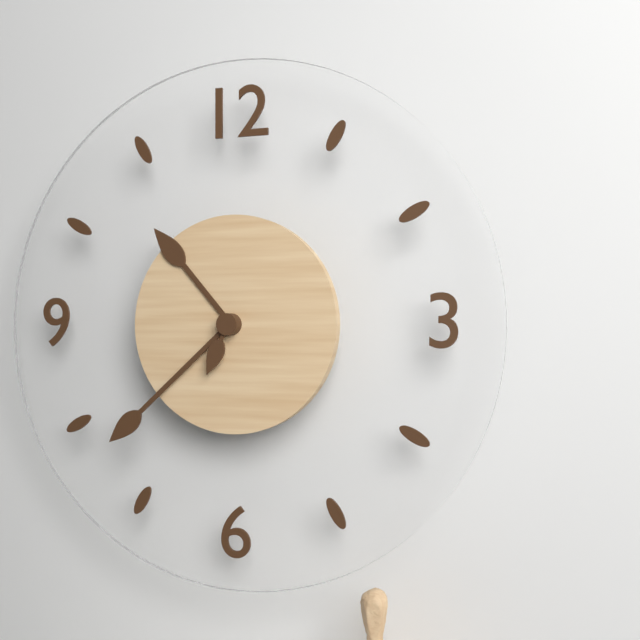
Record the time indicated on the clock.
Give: 10:38:34
